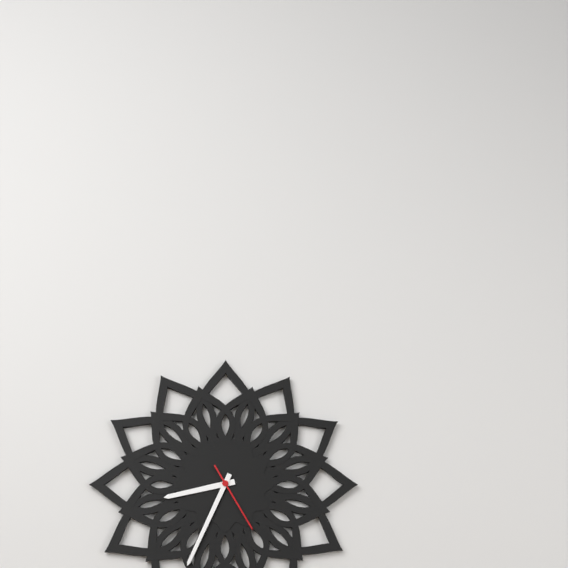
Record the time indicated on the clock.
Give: 8:34:25
